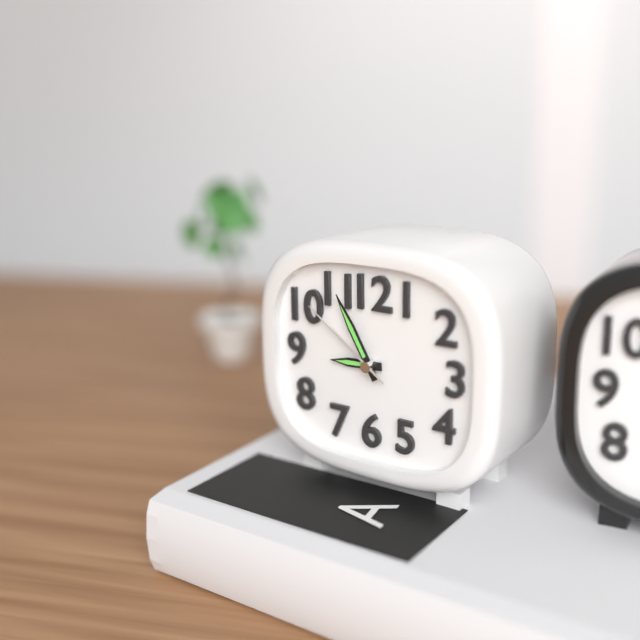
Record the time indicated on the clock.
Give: 8:55:51
